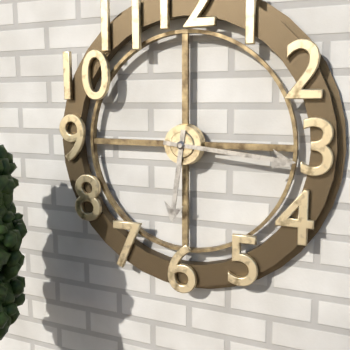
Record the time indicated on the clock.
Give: 6:16
